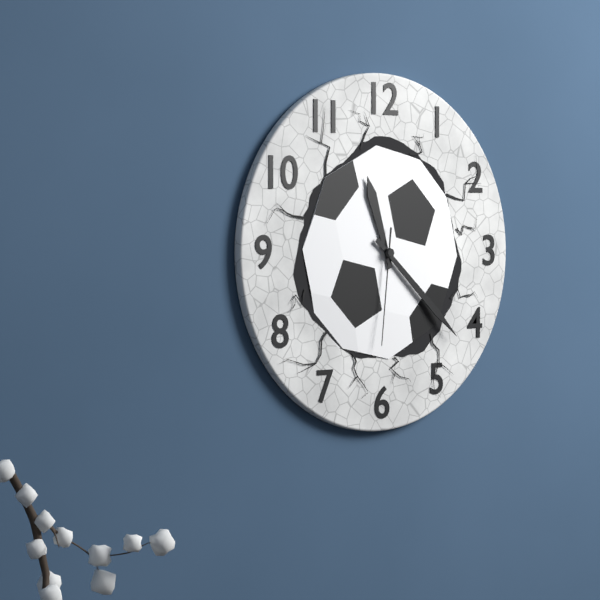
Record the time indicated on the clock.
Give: 11:22:31
